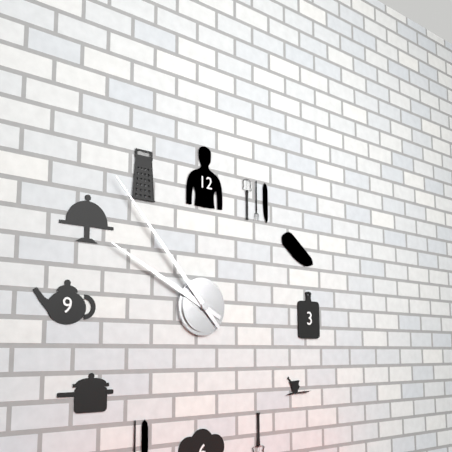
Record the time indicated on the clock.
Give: 9:53
